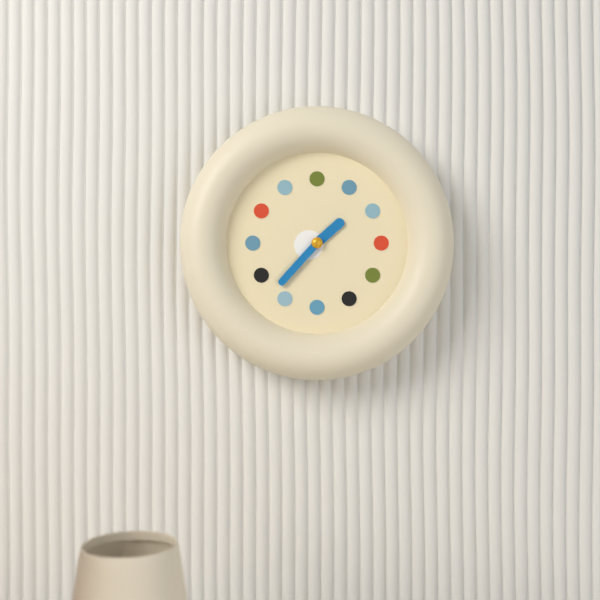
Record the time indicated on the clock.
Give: 1:37
